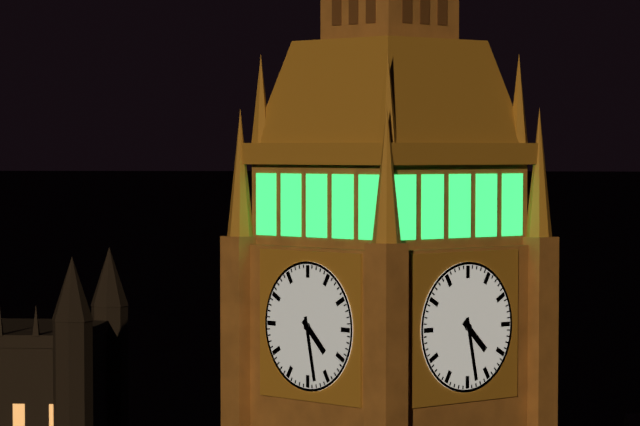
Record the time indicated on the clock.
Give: 4:28
